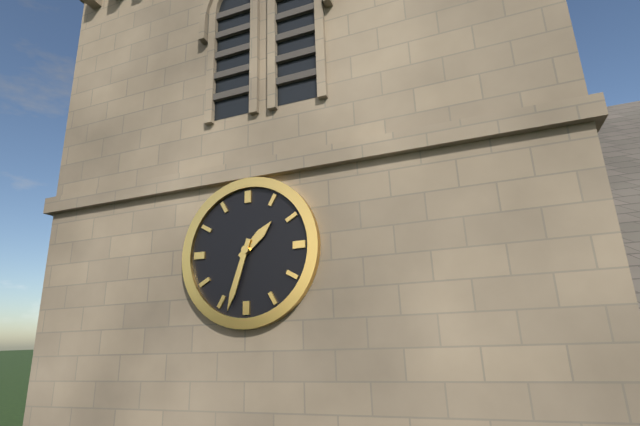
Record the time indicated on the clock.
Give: 1:33
